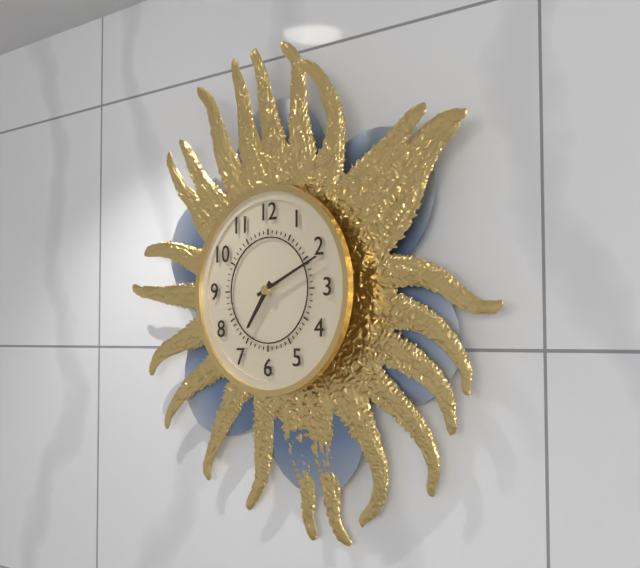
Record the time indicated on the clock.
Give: 7:11
